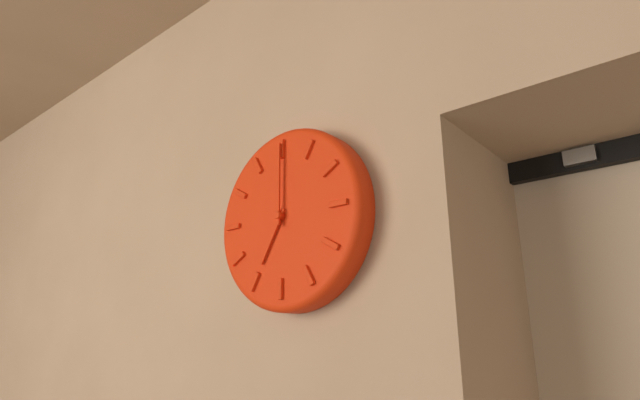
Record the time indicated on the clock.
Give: 7:00
